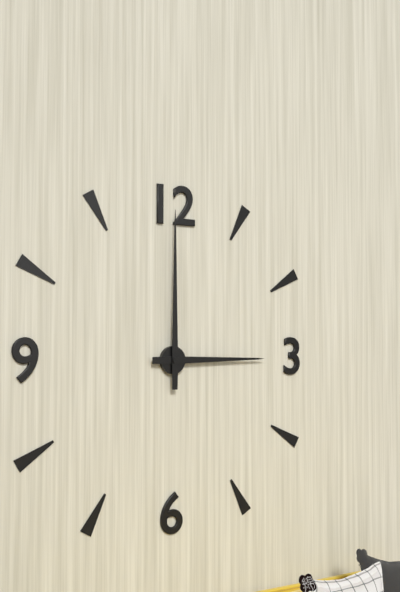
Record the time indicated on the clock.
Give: 3:00
